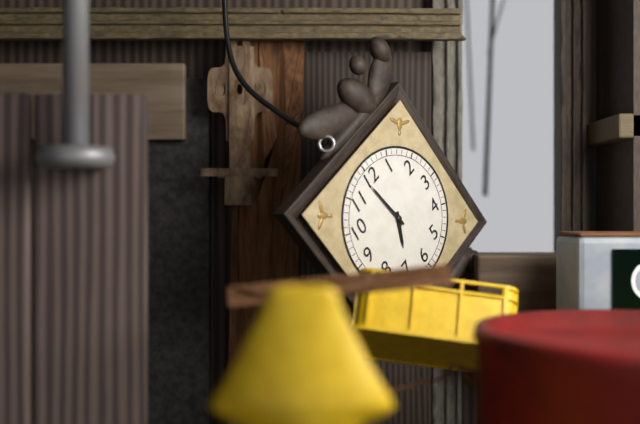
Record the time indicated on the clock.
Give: 6:59
